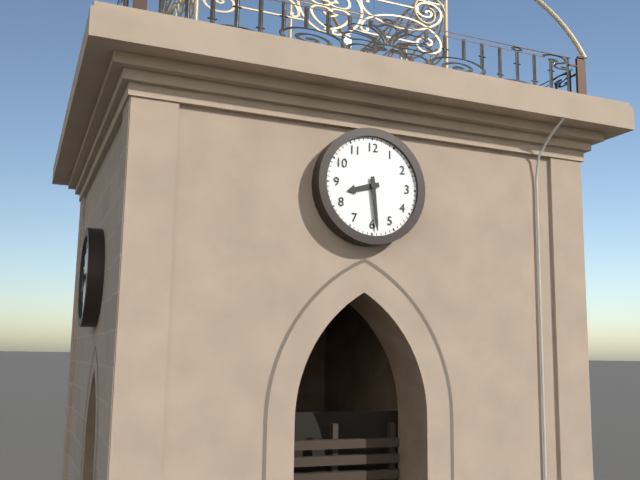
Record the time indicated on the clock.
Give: 8:29
